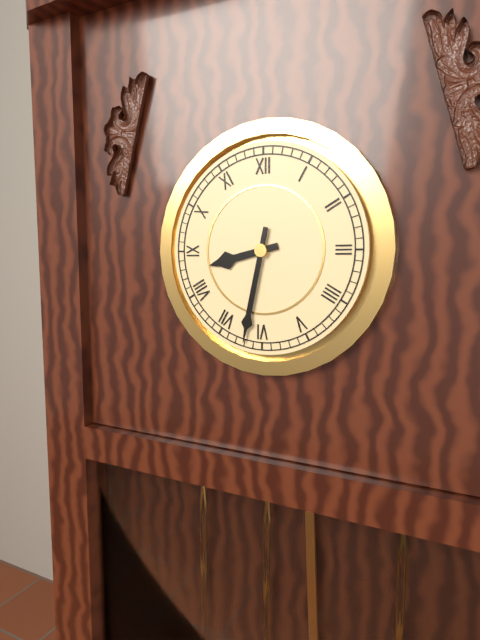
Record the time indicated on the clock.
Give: 8:32
